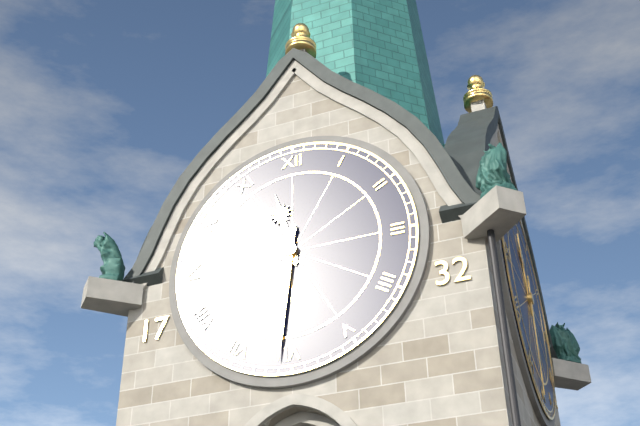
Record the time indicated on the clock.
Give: 11:31
